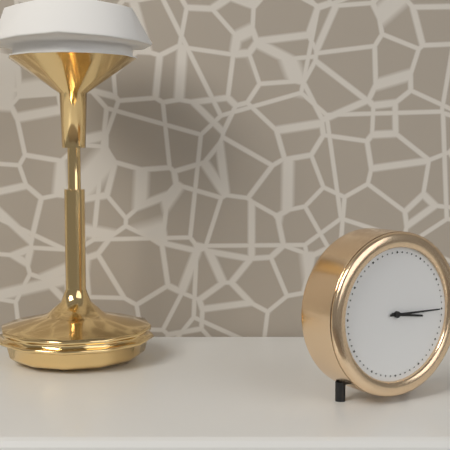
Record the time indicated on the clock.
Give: 3:15
